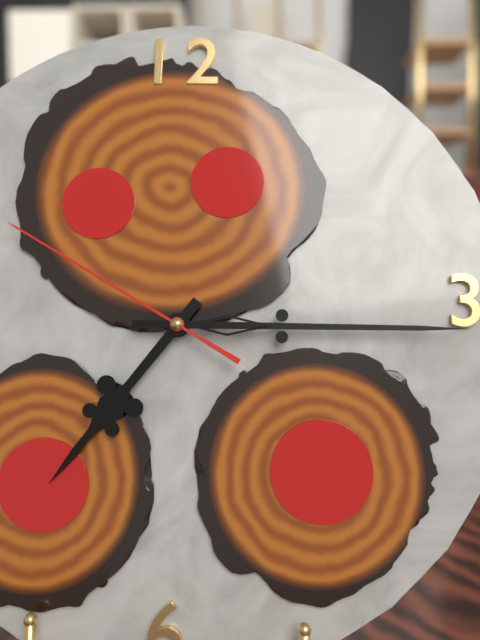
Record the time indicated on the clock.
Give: 7:15:50
